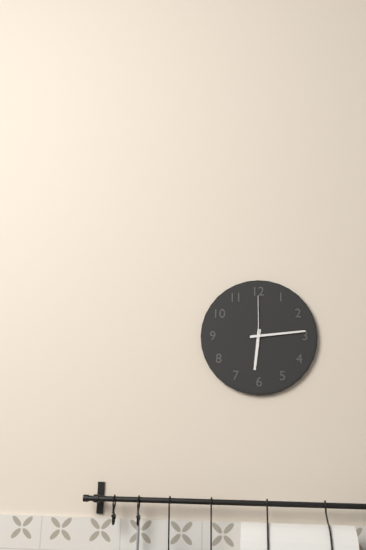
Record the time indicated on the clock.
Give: 6:14:00
